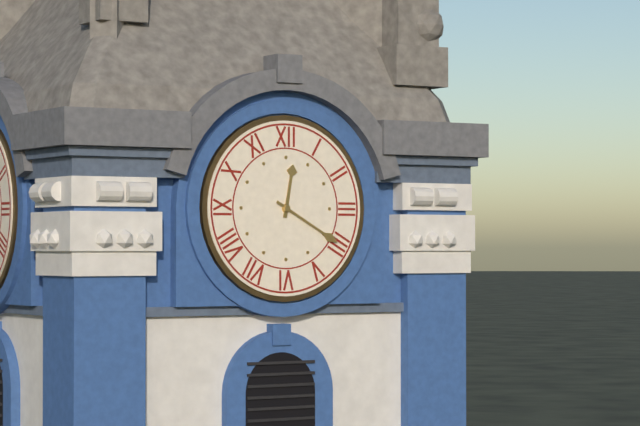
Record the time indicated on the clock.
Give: 12:20
